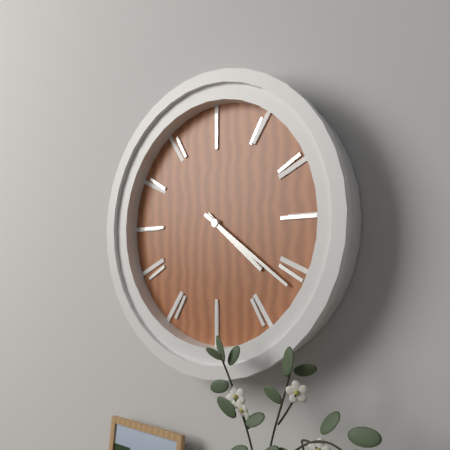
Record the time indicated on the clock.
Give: 4:21
